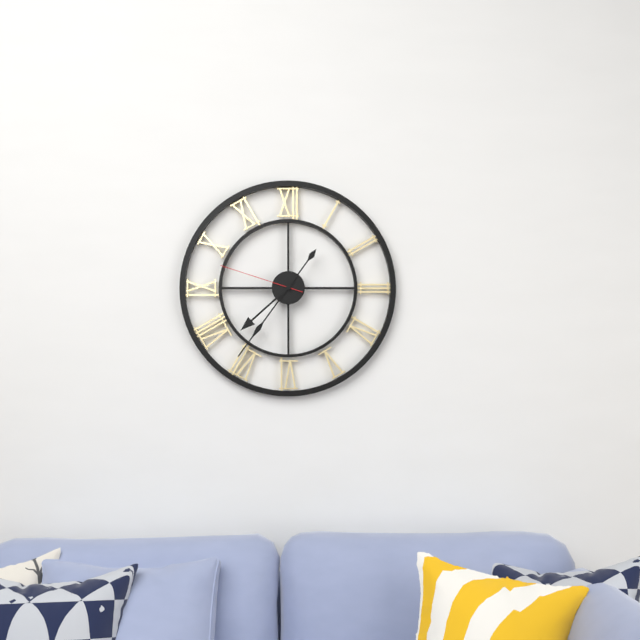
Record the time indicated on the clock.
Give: 7:36:48
